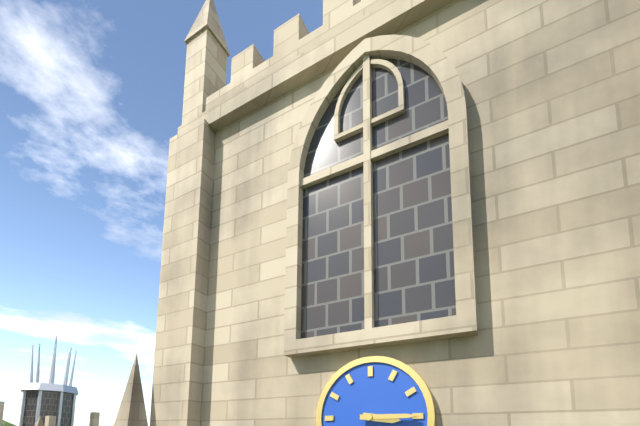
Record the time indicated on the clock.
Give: 3:15
